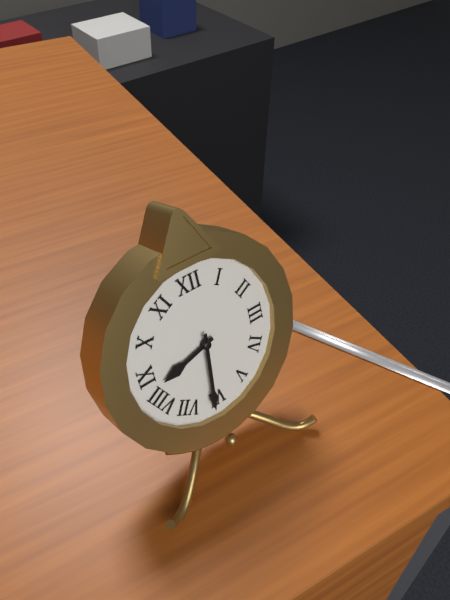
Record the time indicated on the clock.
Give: 8:31
